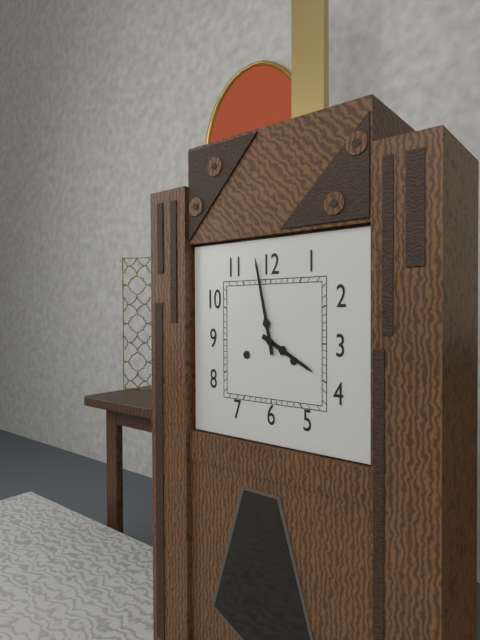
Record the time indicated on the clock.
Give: 3:58
